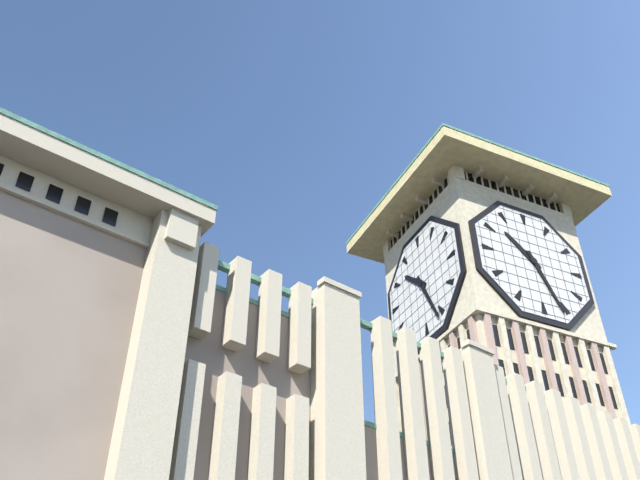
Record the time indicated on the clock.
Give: 10:26
